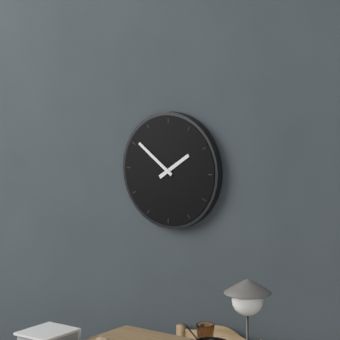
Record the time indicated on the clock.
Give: 1:51
